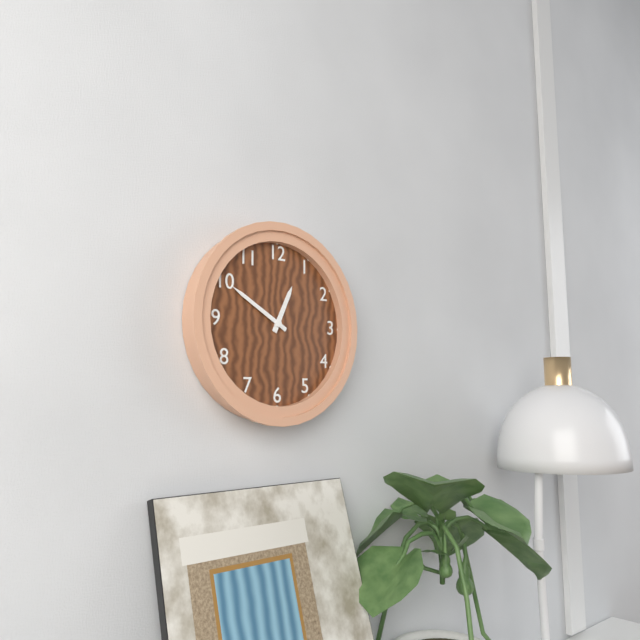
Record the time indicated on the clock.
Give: 12:50
